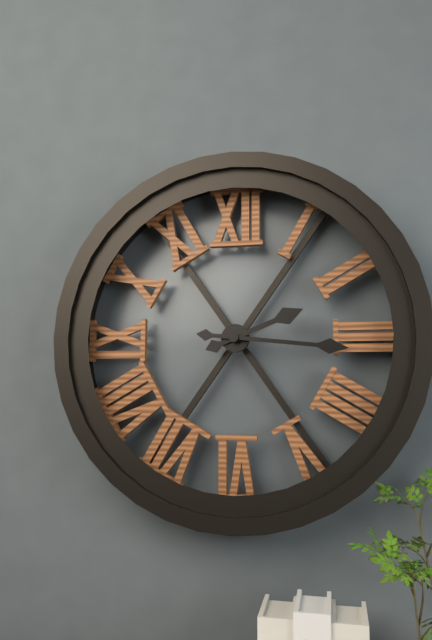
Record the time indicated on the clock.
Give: 2:16
